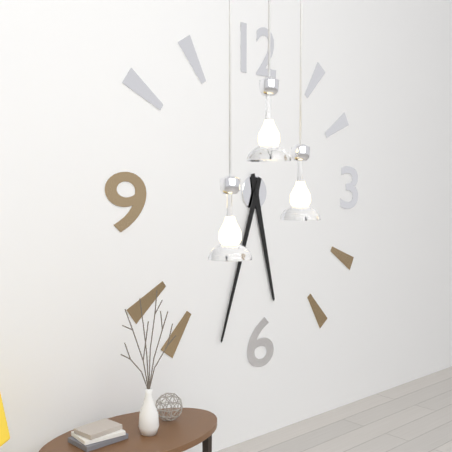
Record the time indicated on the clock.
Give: 5:33
